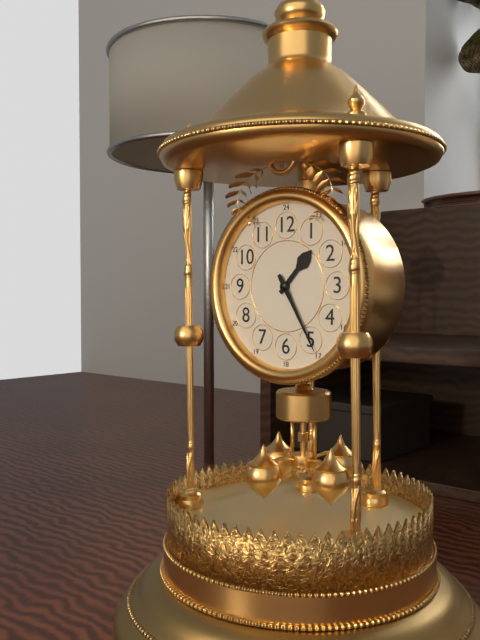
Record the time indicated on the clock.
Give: 1:25
